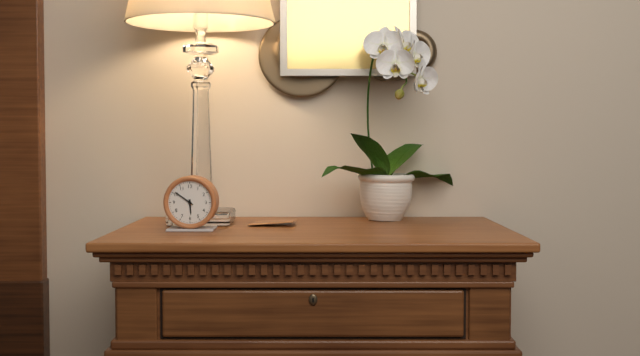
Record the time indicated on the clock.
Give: 5:51
